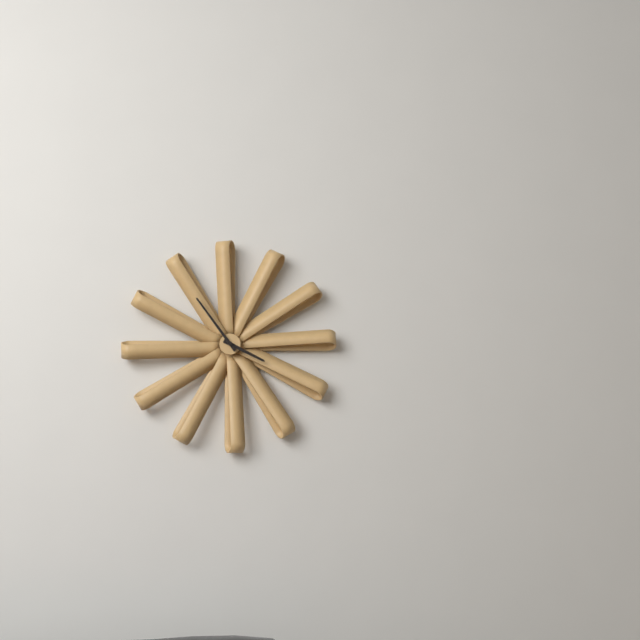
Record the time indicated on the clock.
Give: 3:54
